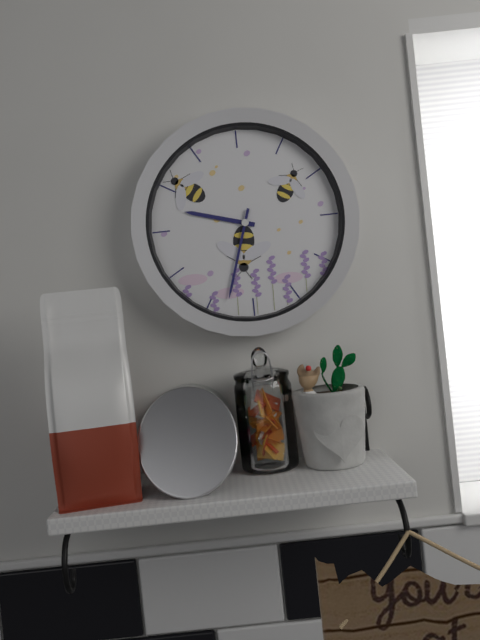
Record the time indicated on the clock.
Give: 9:33
